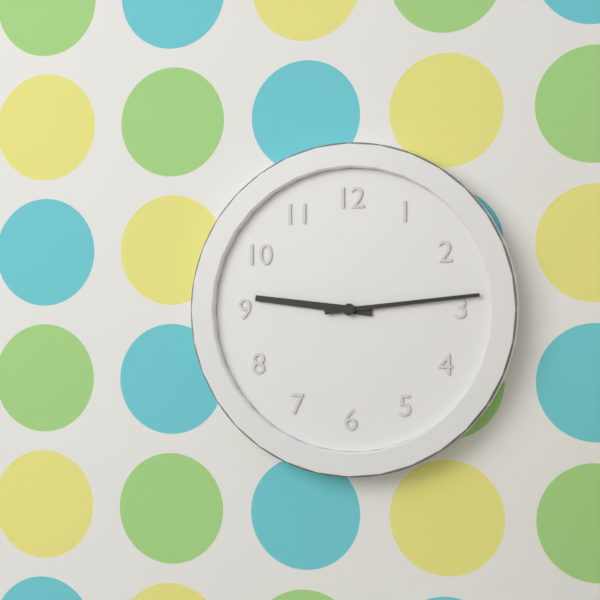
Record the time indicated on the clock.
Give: 9:14
